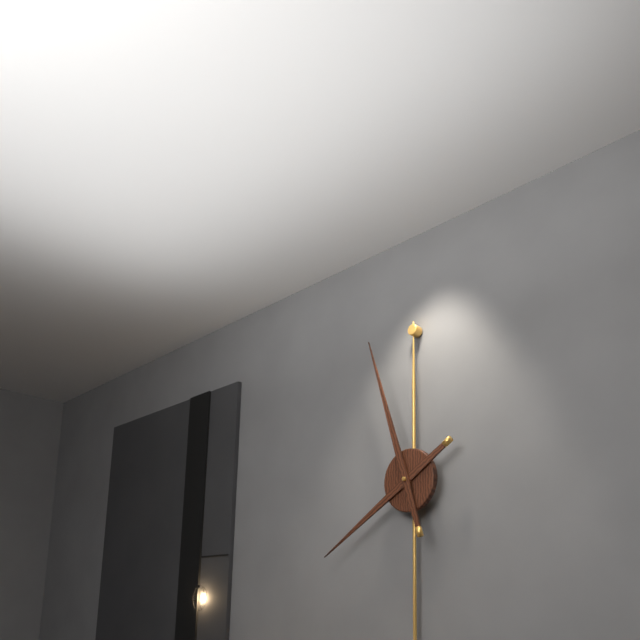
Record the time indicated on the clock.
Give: 7:57
